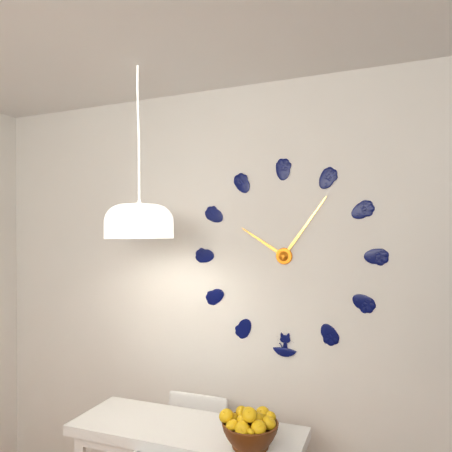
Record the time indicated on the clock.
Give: 10:06
